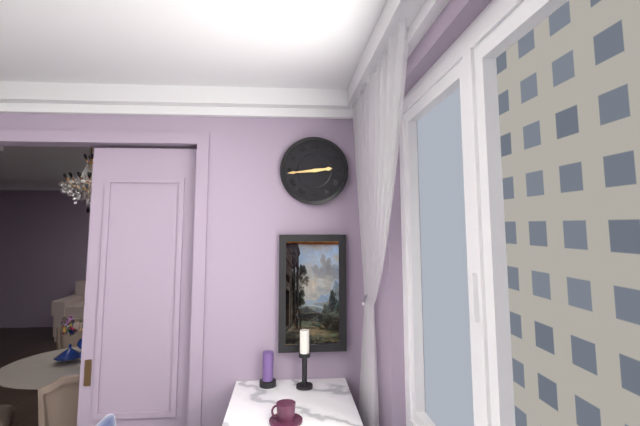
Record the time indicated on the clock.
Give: 2:44
